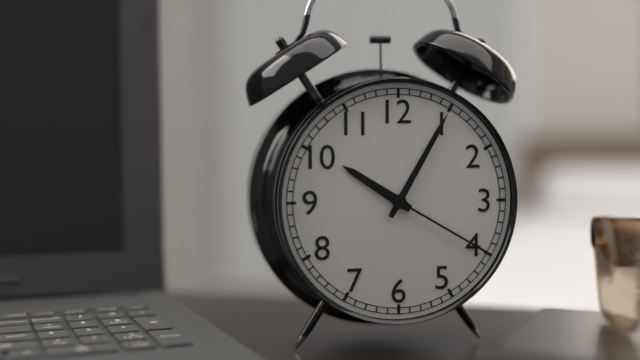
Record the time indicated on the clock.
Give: 10:05:20
